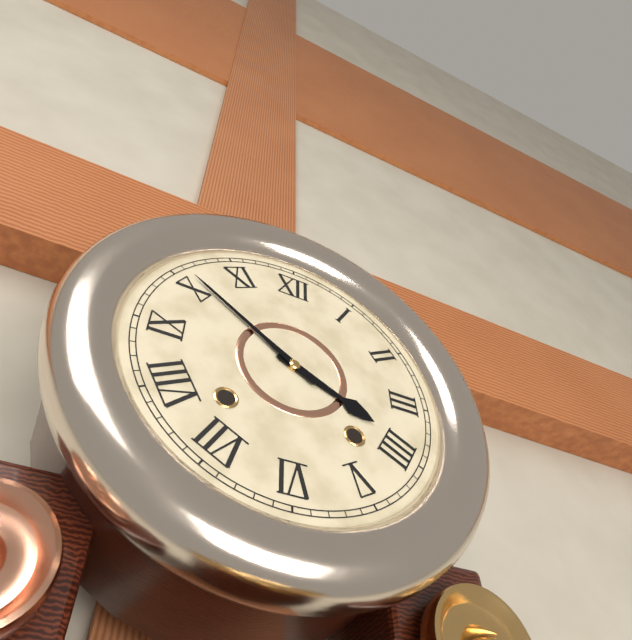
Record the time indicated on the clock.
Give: 3:51
